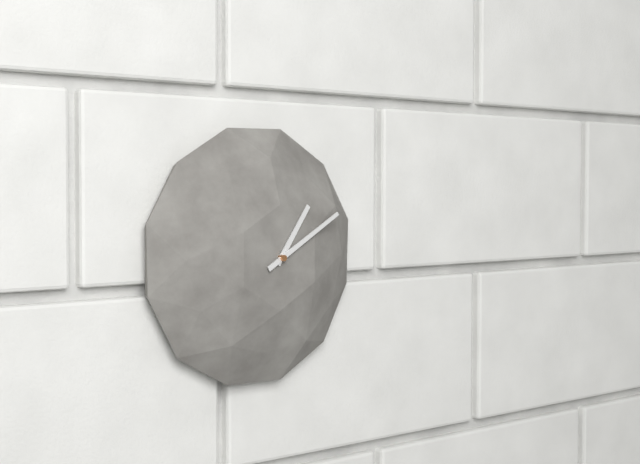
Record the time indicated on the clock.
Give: 1:10
